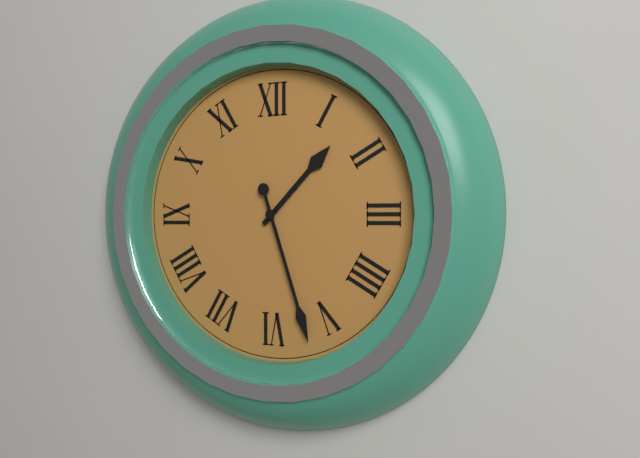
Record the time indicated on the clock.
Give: 1:27
